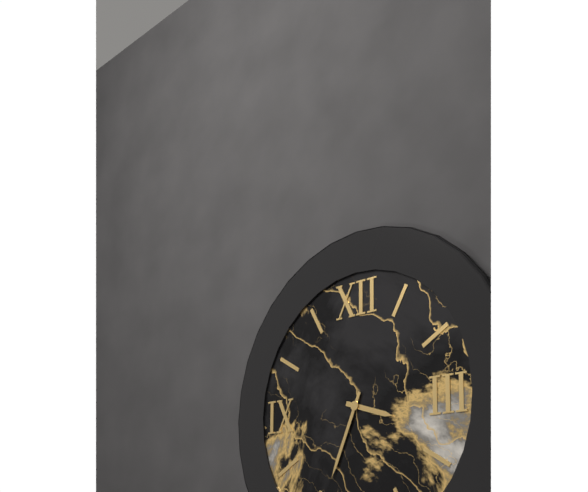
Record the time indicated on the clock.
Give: 3:34
